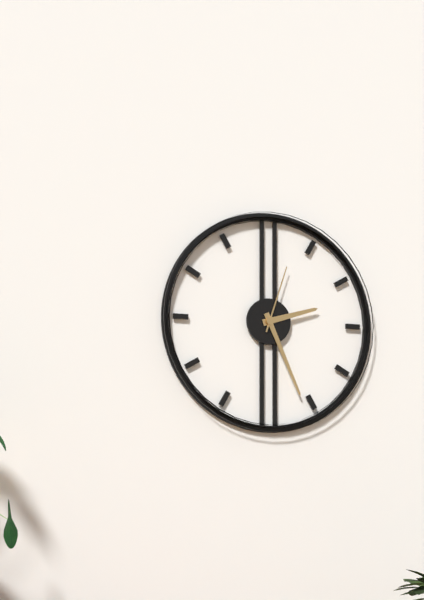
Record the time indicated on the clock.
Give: 2:26:03
